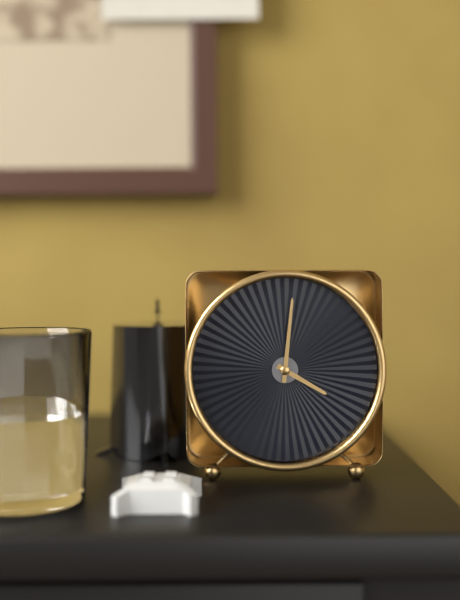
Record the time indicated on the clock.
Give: 4:01
